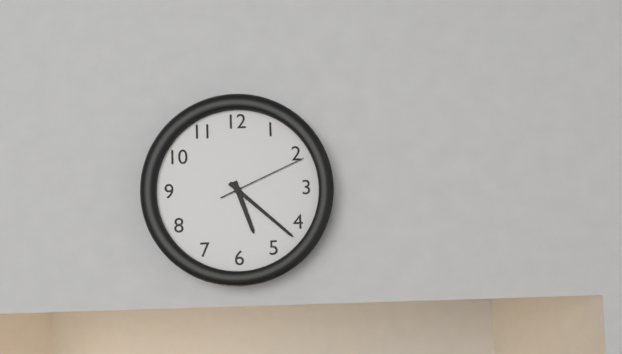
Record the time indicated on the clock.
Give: 5:22:11
